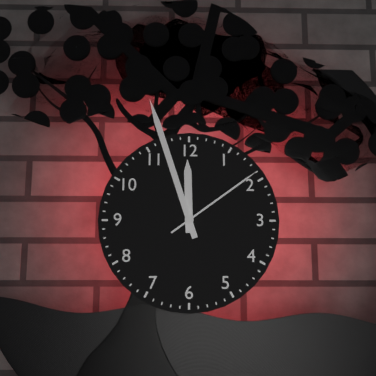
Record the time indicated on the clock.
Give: 11:57:09
